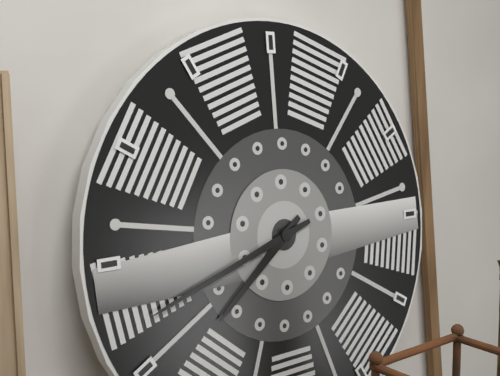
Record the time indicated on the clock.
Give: 7:42
